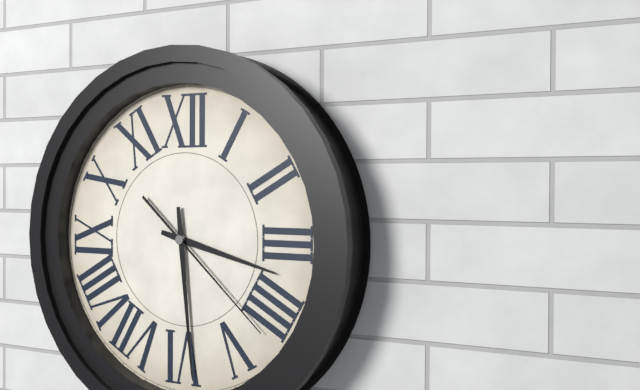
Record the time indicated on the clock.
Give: 3:29:22
